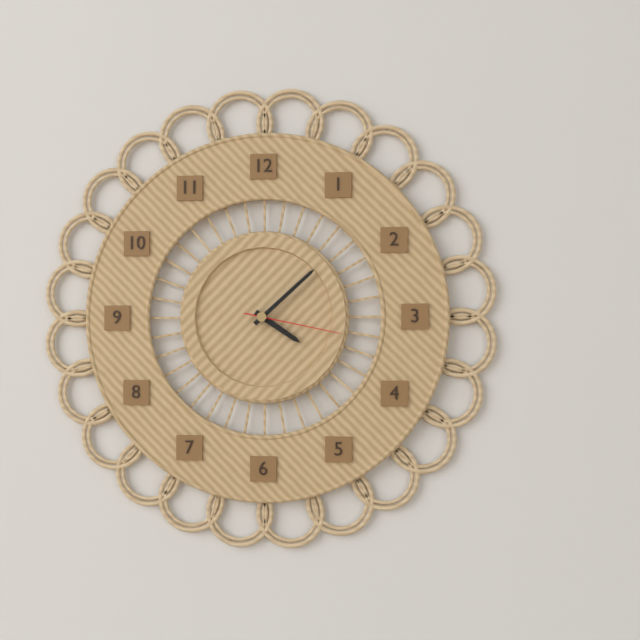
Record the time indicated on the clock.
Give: 4:08:17
